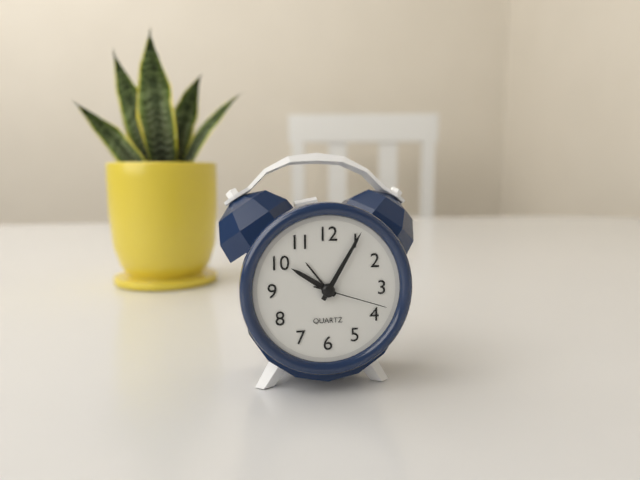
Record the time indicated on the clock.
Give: 10:05:18
